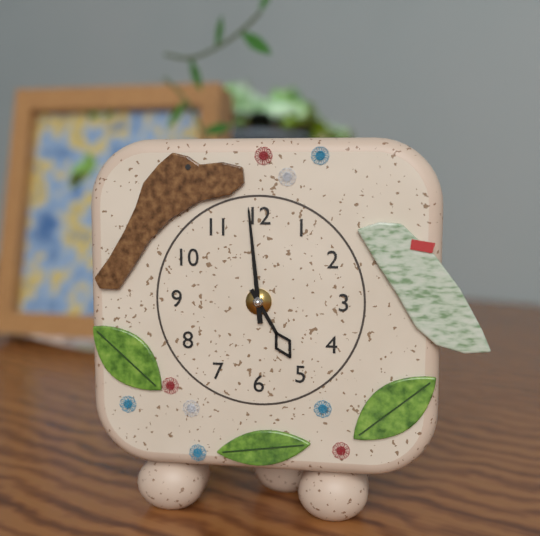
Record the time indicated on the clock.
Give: 4:59
